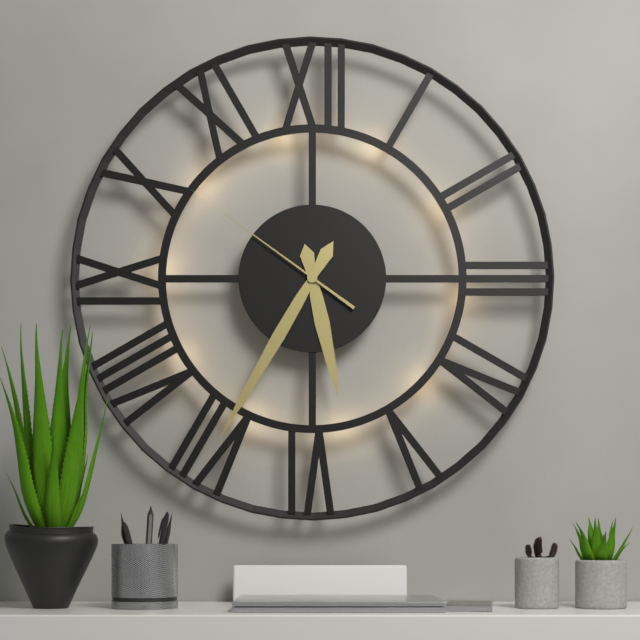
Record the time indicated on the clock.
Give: 5:35:51
